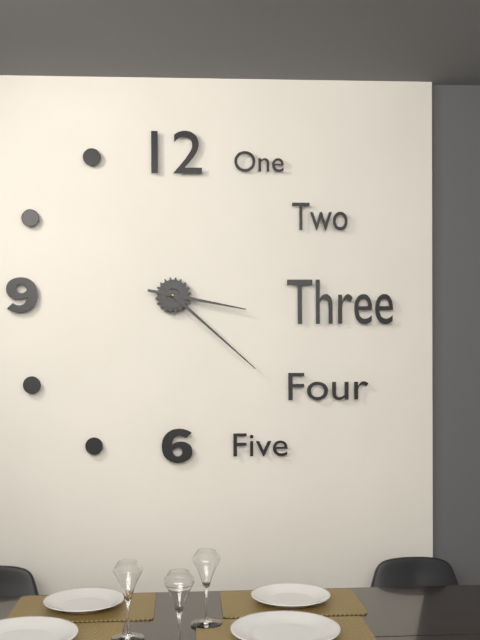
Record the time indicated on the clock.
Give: 3:22
